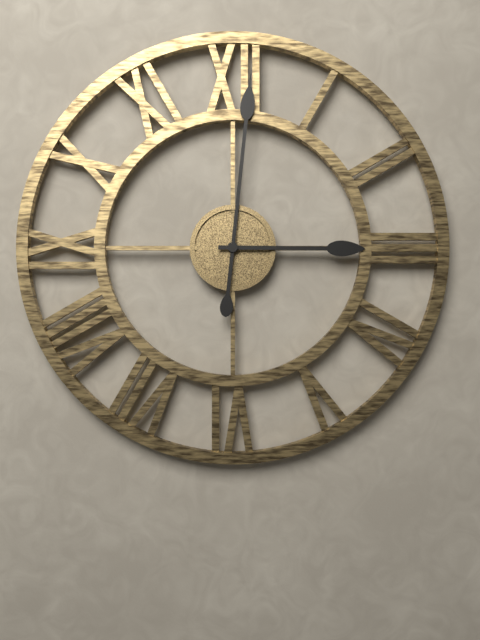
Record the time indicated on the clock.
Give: 3:01
